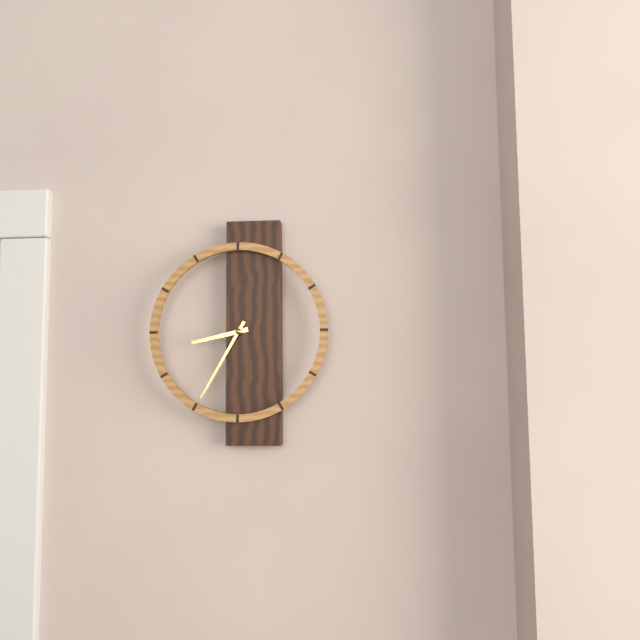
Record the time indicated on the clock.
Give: 8:35
